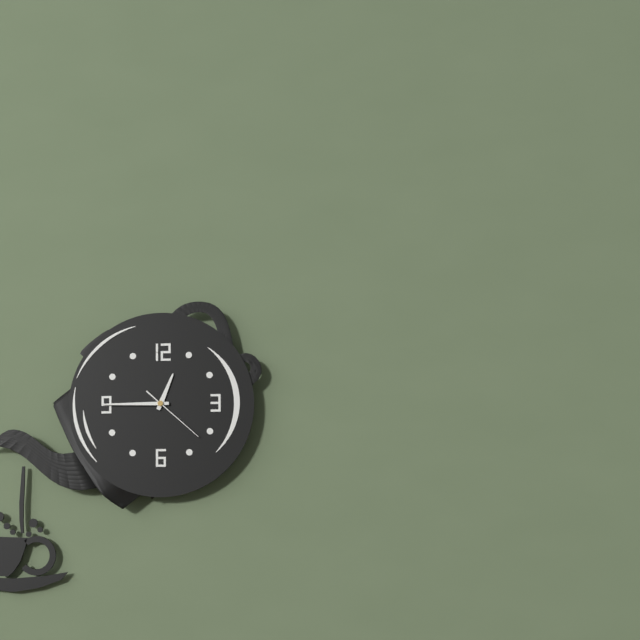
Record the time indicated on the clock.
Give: 12:45:22
